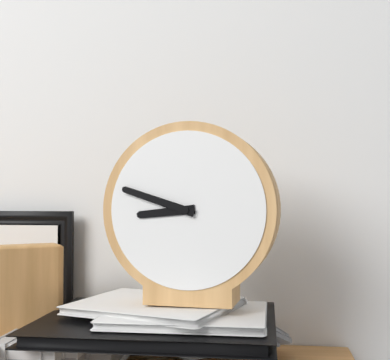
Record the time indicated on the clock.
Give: 8:48
